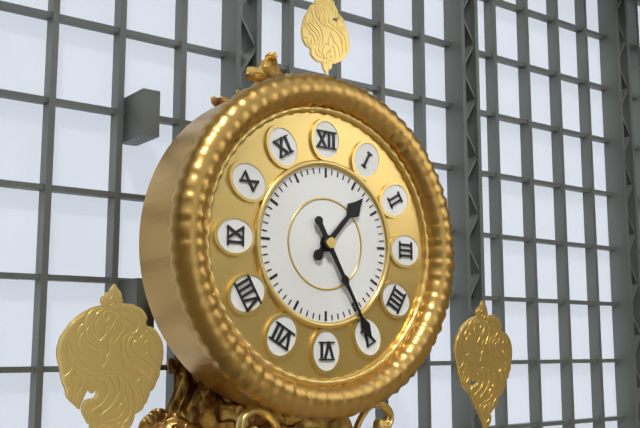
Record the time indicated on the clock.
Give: 1:25
